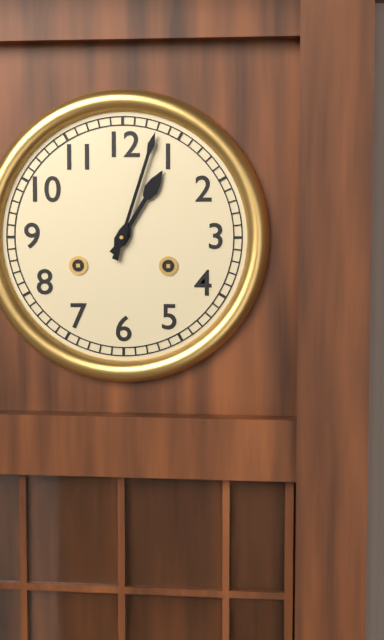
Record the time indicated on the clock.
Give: 1:03
